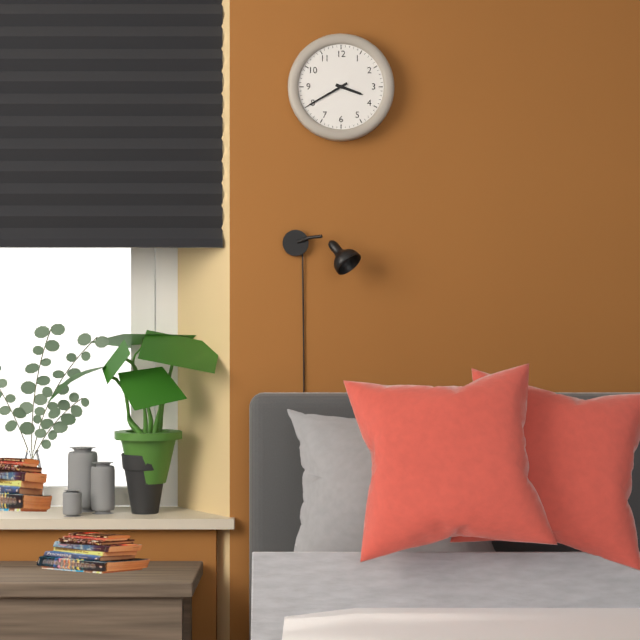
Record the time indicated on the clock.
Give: 3:40
